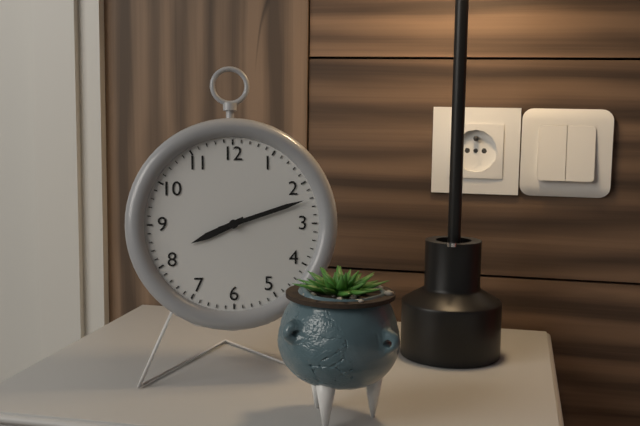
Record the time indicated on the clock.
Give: 8:12
